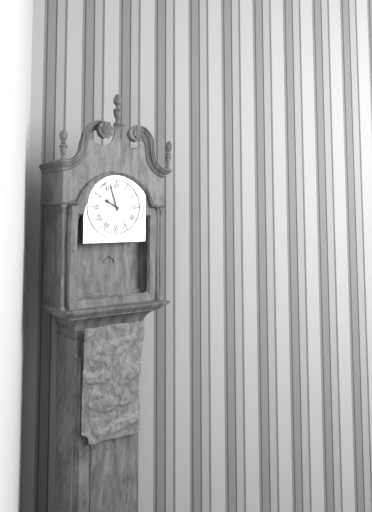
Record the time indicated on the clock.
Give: 9:57
